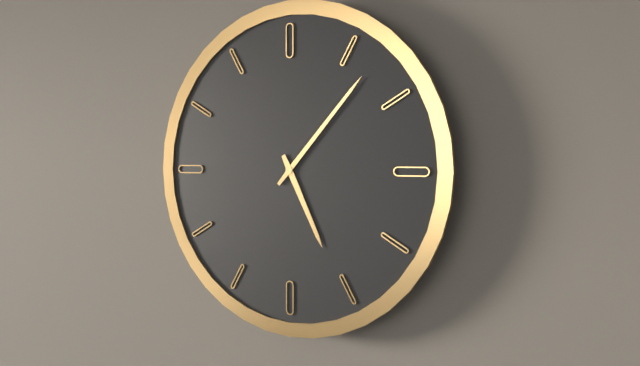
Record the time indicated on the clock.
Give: 5:07
